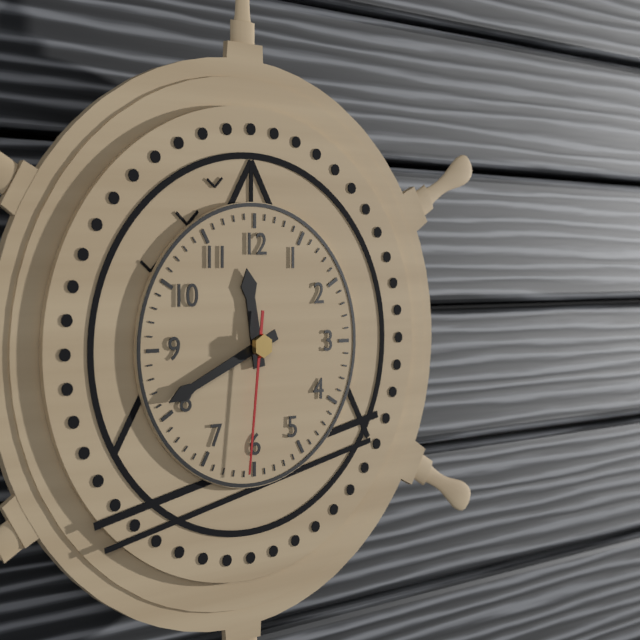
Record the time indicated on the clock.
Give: 11:41:31
